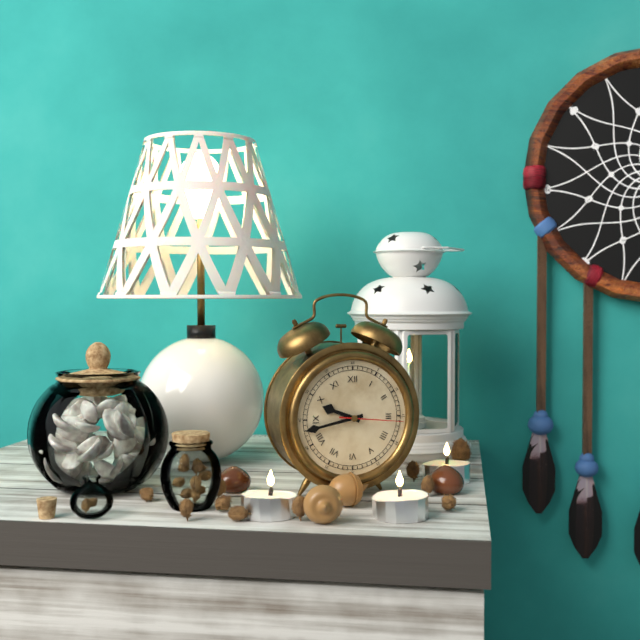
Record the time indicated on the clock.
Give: 9:43:16
